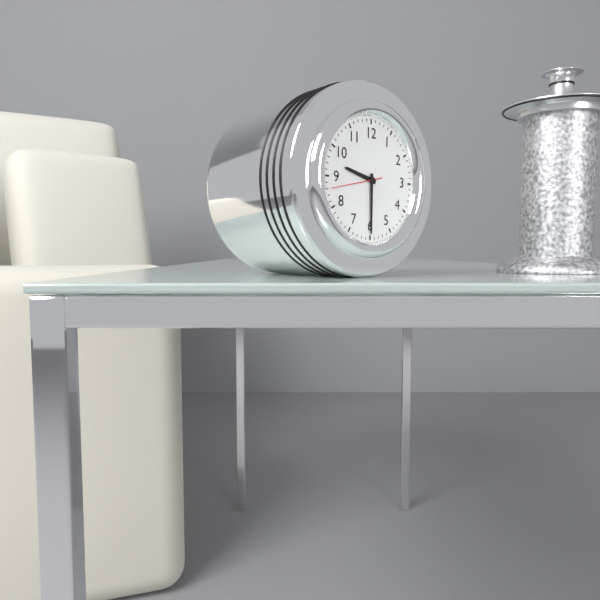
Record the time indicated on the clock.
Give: 9:30:43
